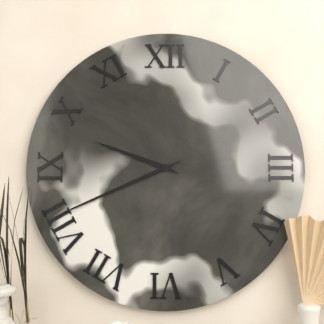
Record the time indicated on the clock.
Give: 9:41
